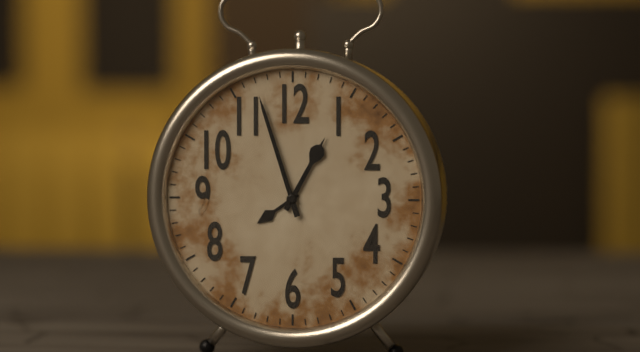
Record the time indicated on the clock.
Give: 12:57
